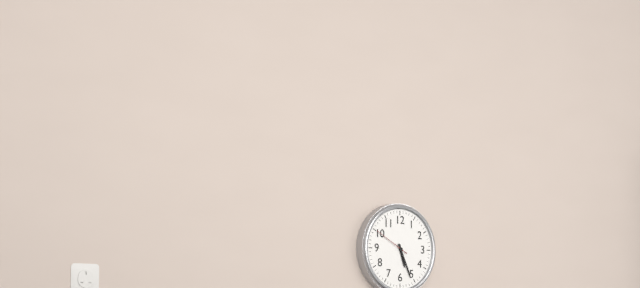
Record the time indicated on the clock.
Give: 5:26
